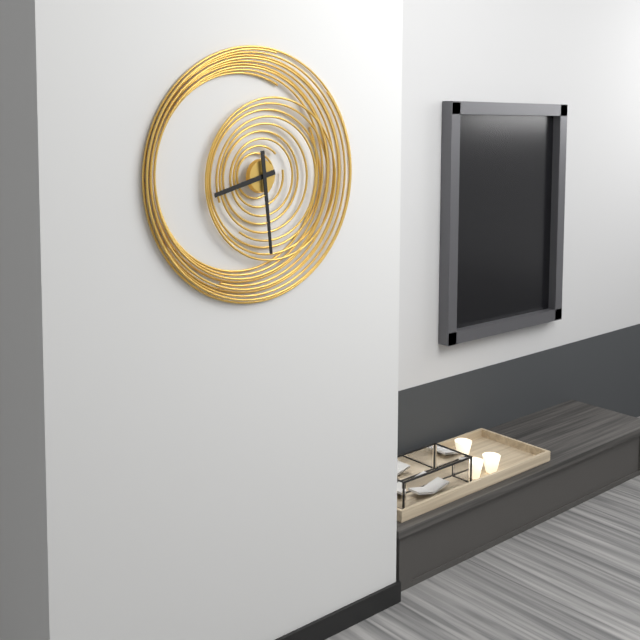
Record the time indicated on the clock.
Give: 8:29
